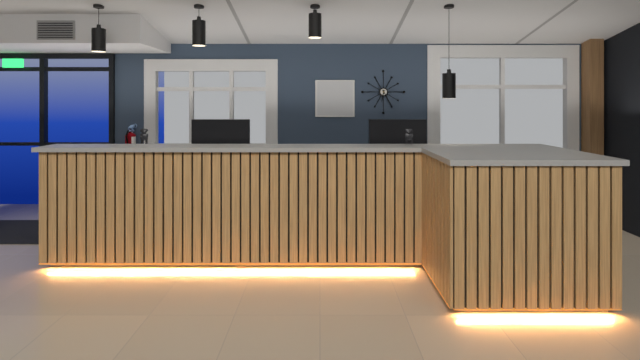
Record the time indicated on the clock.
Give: 6:25
